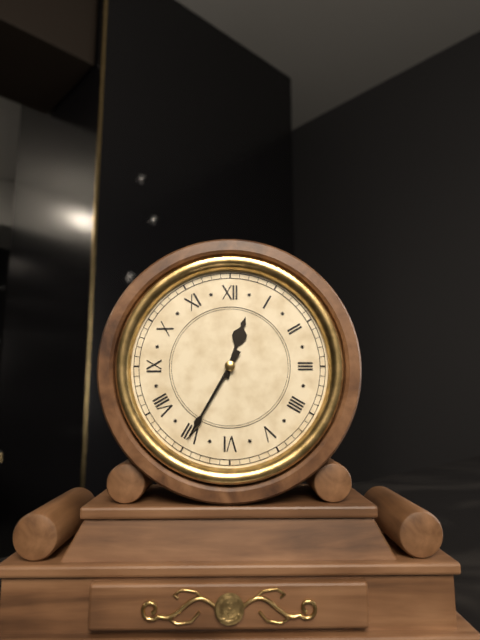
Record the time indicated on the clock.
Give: 12:35
